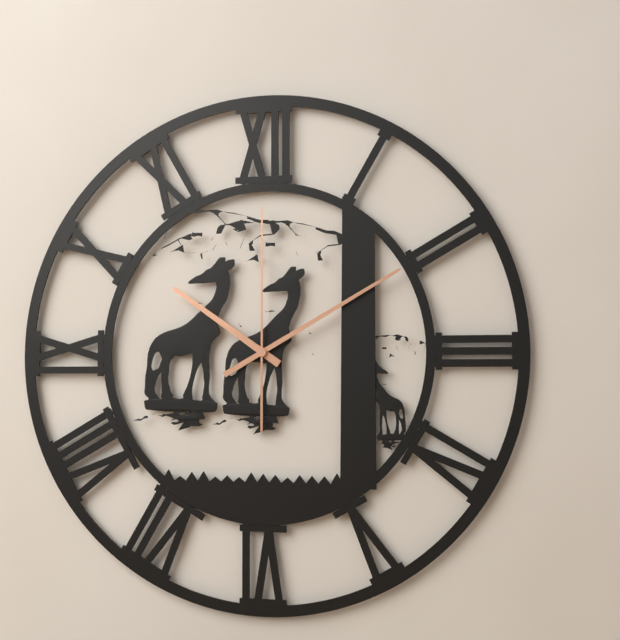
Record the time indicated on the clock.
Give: 10:10:00
